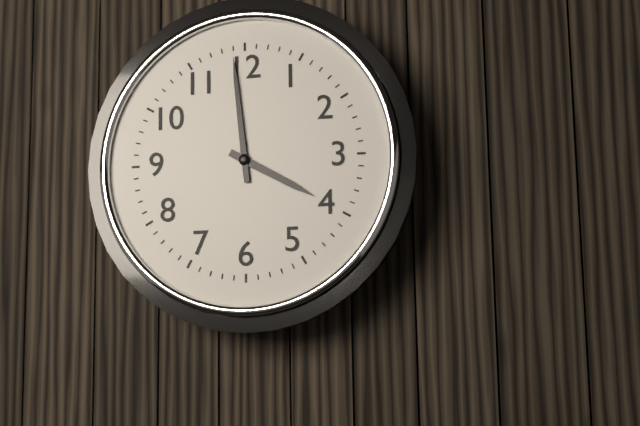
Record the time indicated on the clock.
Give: 3:59
